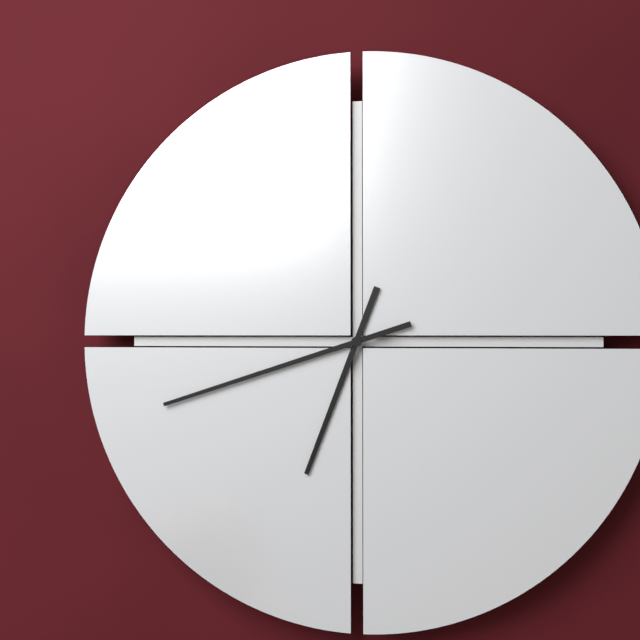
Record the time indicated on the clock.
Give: 6:42
